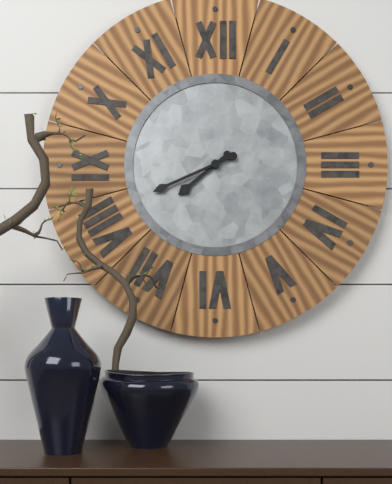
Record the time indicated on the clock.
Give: 7:41
